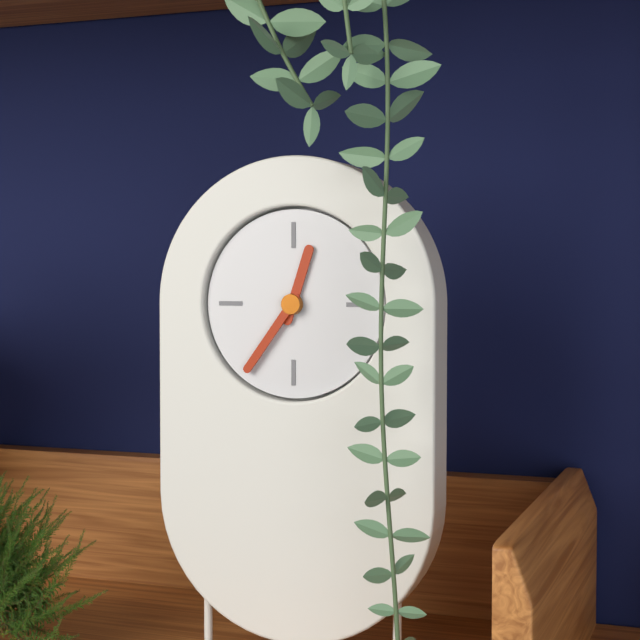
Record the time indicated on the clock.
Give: 12:36
